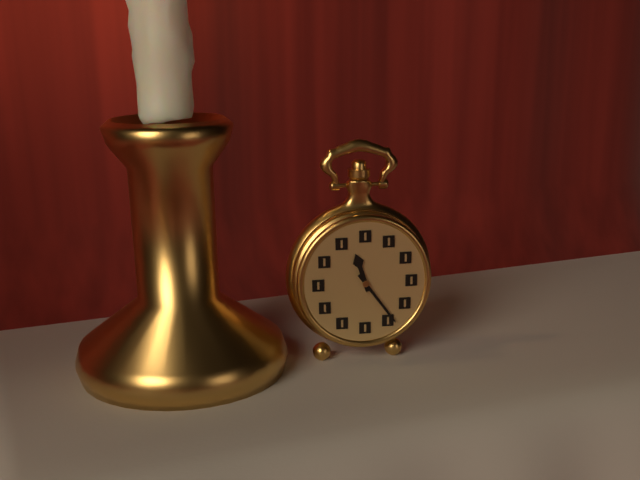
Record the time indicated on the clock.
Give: 11:24
